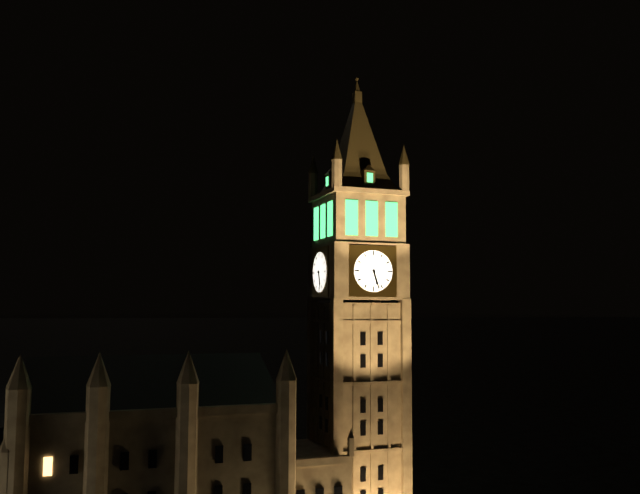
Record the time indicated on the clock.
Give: 5:27
